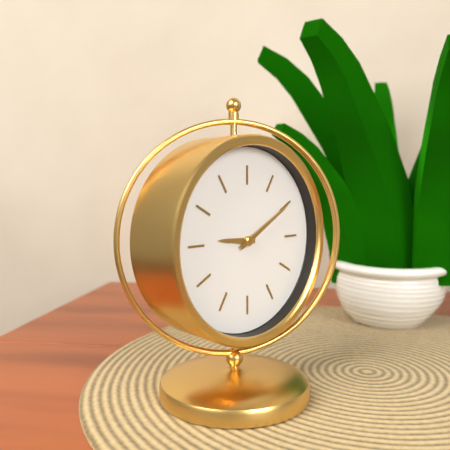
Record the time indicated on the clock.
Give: 9:10
